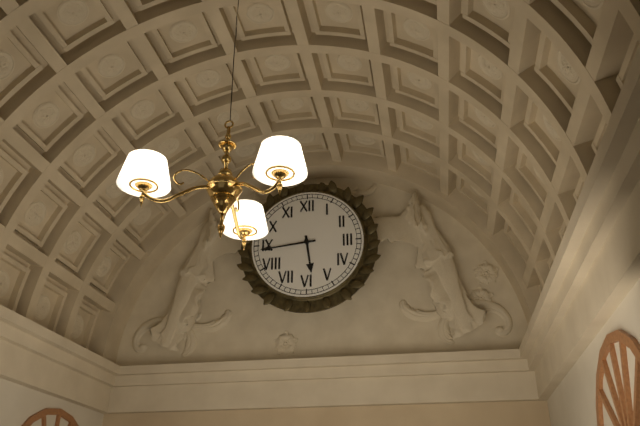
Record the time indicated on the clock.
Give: 5:44
